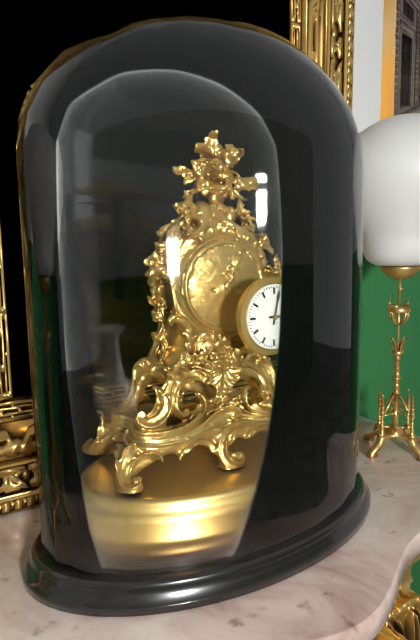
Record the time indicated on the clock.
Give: 3:02
